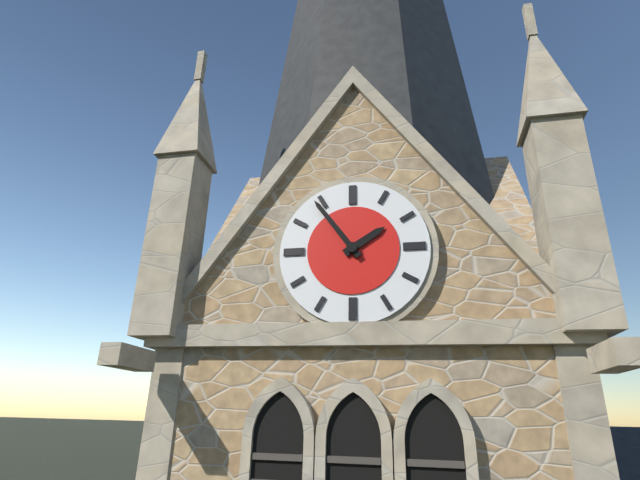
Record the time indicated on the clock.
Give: 1:54
